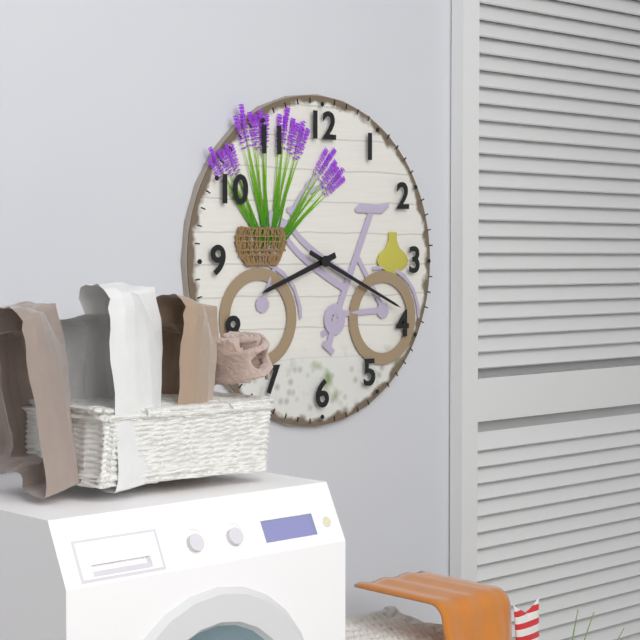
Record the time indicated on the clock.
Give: 8:19
